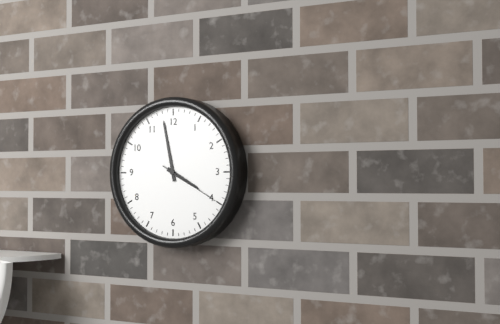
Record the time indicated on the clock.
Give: 3:58:20
